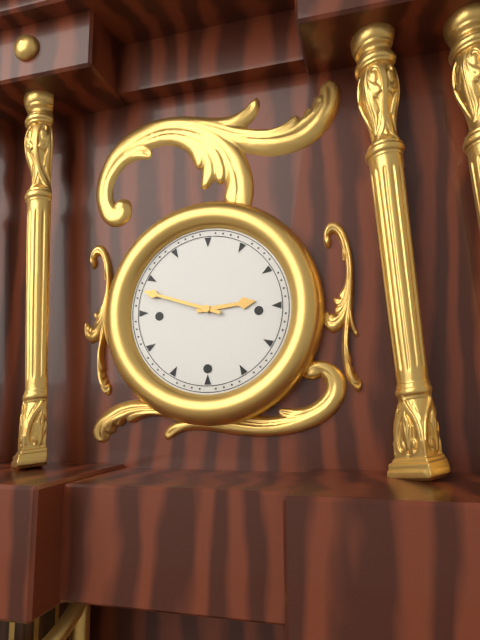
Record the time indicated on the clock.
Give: 2:48
